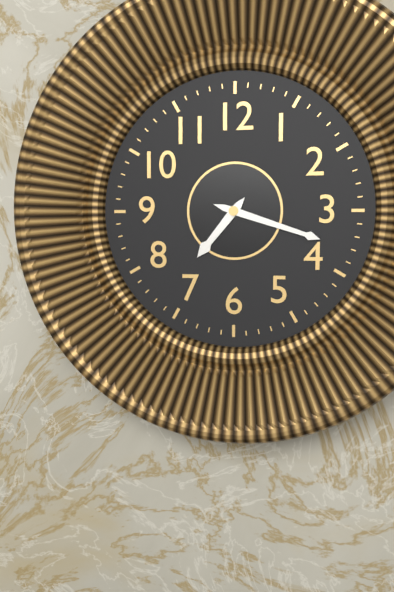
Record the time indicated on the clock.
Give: 7:18
